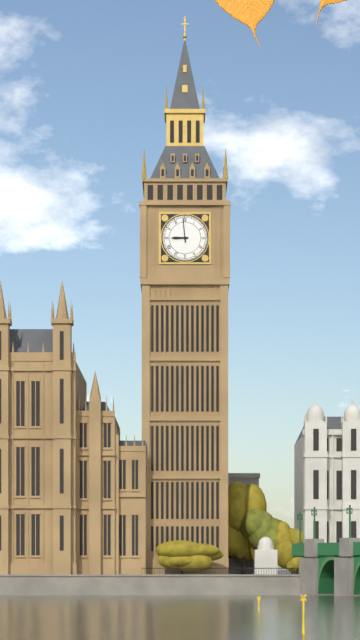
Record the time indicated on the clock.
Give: 8:59
